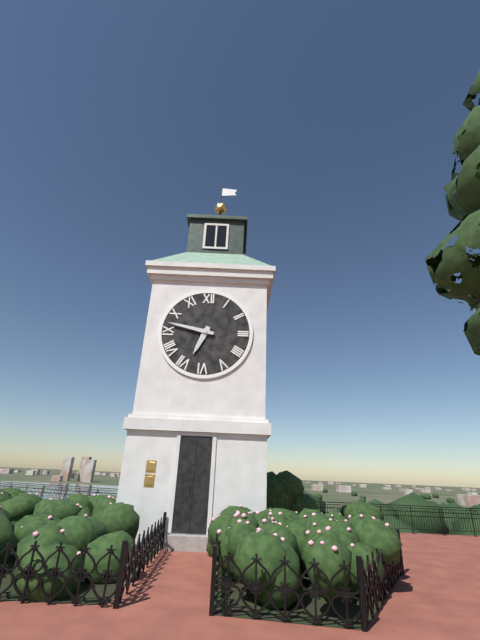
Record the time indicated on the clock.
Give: 6:47
